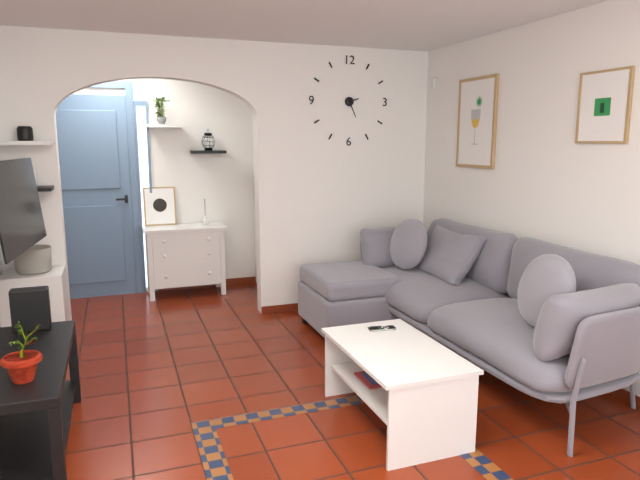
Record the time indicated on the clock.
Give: 2:26
